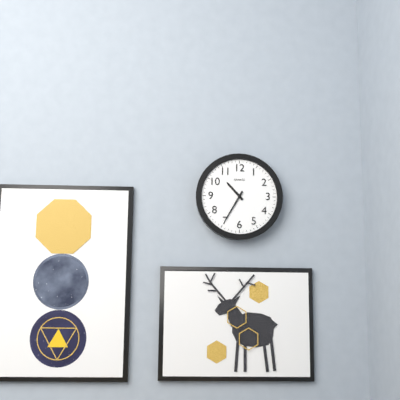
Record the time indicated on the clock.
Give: 10:35
